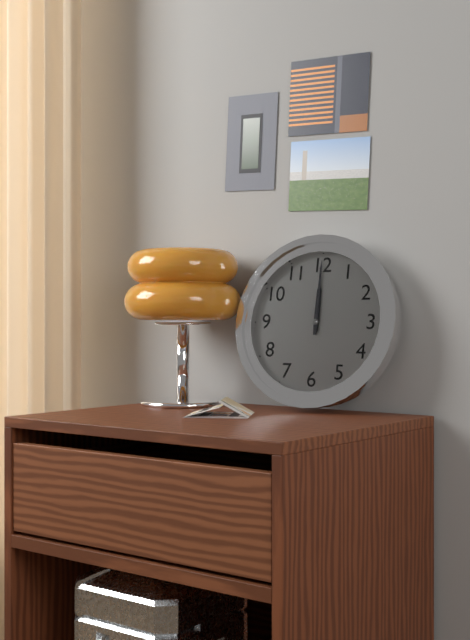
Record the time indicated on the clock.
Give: 12:00
